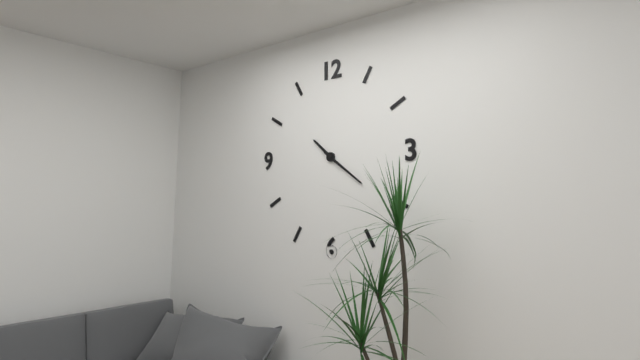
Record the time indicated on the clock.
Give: 10:21
